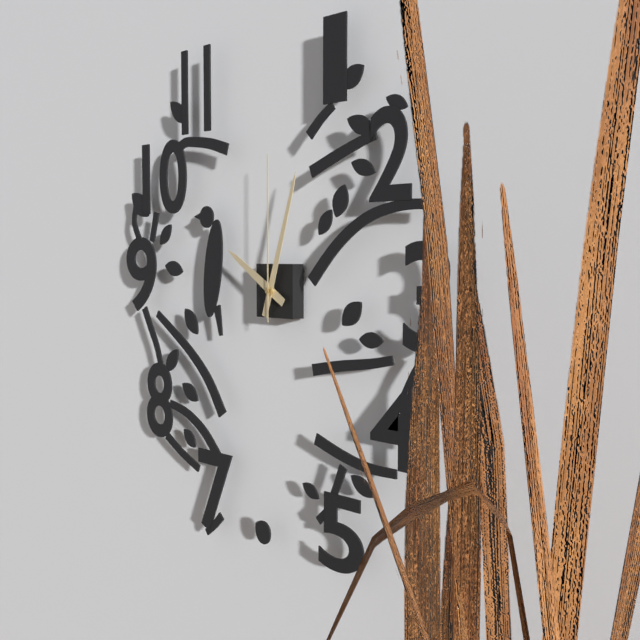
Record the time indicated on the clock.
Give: 10:03:00
